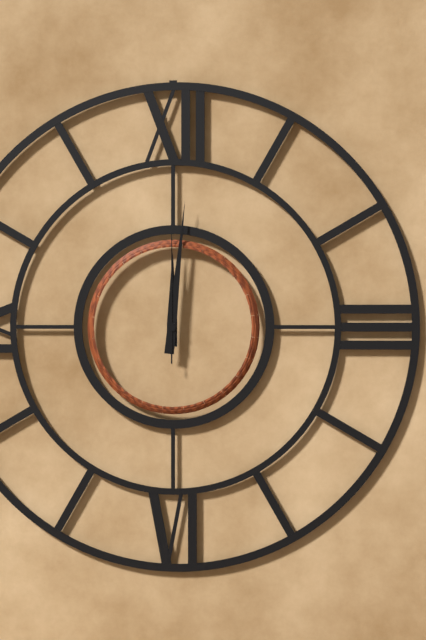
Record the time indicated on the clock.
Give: 12:01:00
